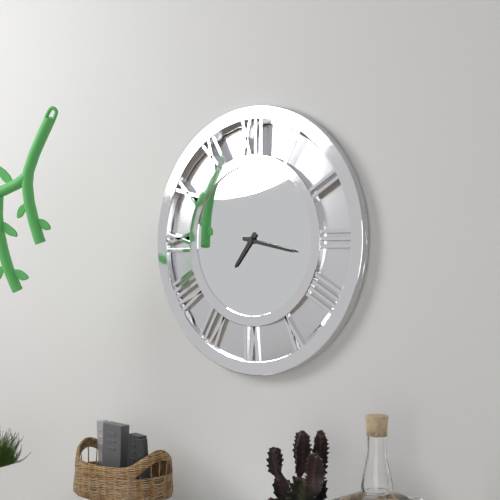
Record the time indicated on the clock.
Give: 7:17
